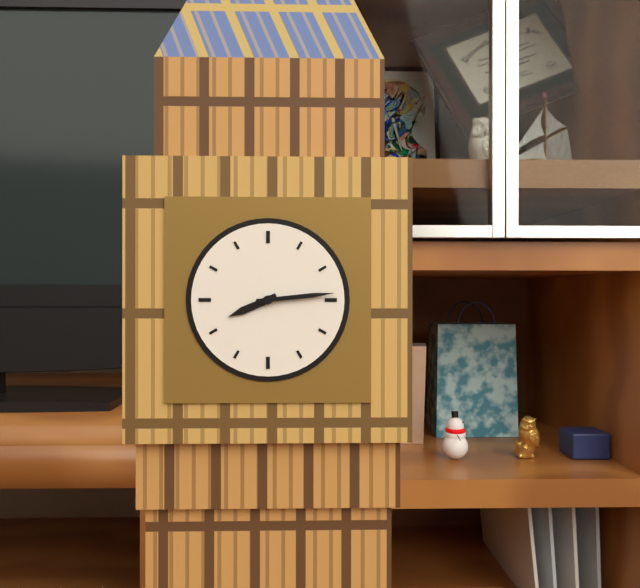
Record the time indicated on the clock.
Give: 8:14
